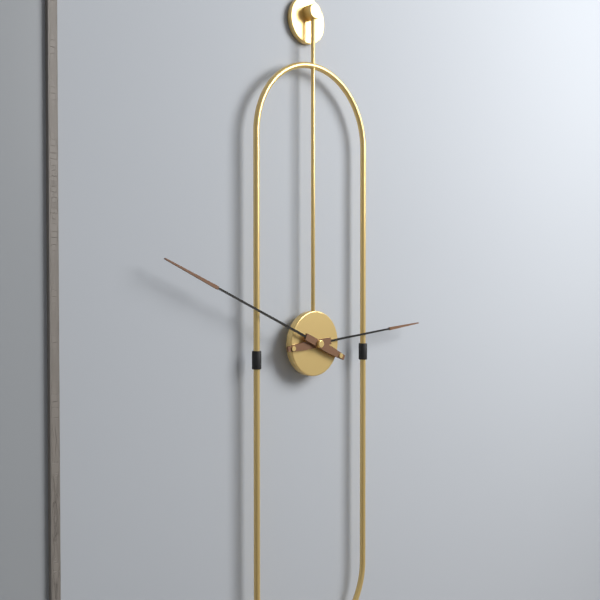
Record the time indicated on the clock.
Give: 2:49
